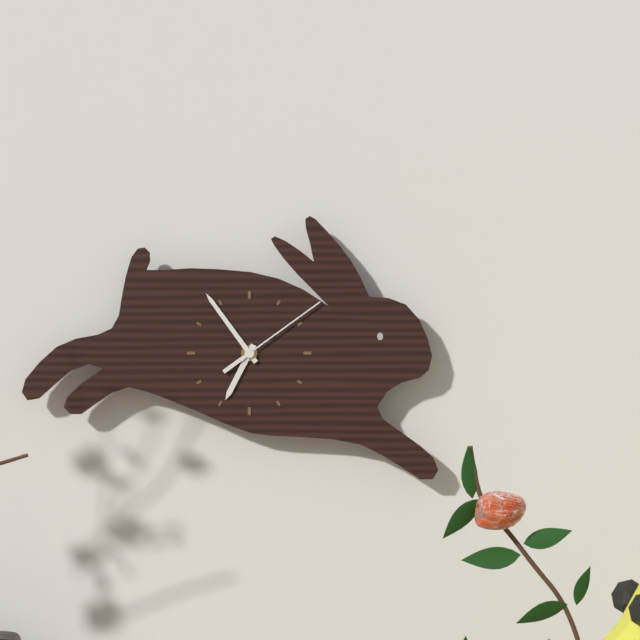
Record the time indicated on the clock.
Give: 6:54:09
